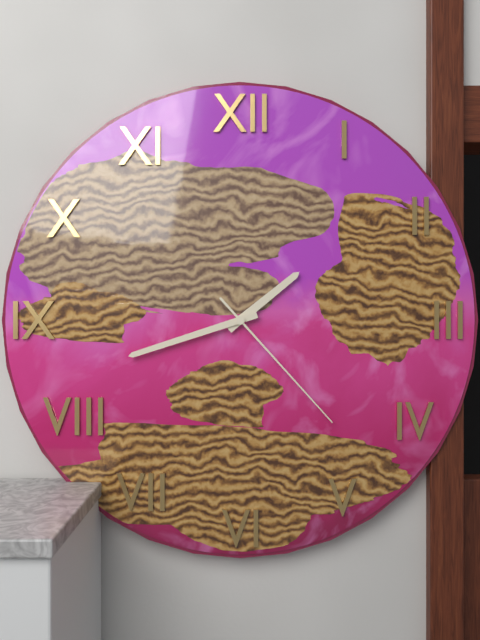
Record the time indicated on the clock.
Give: 1:42:23
